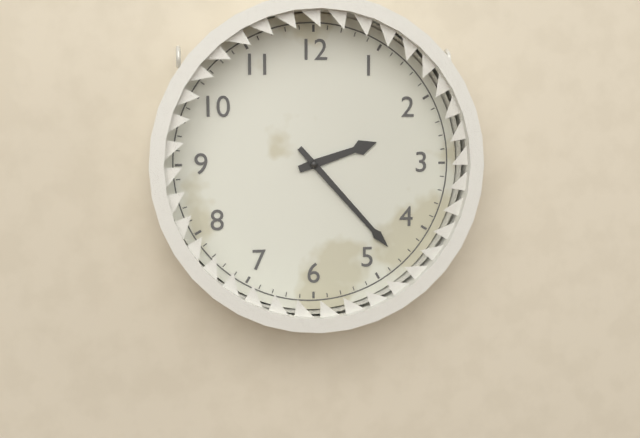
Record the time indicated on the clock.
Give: 2:23
